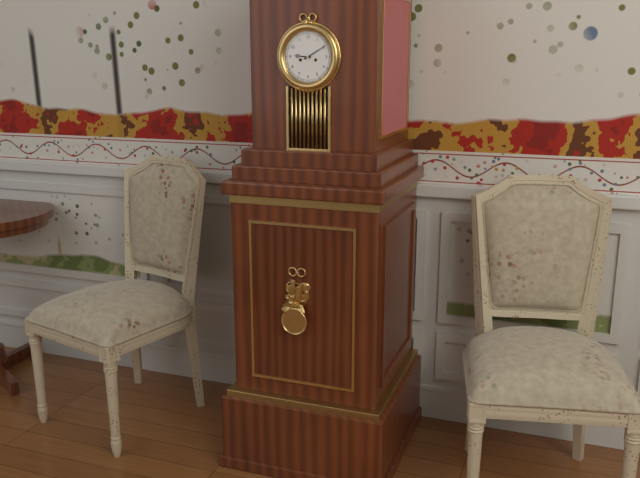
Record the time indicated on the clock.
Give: 9:10
